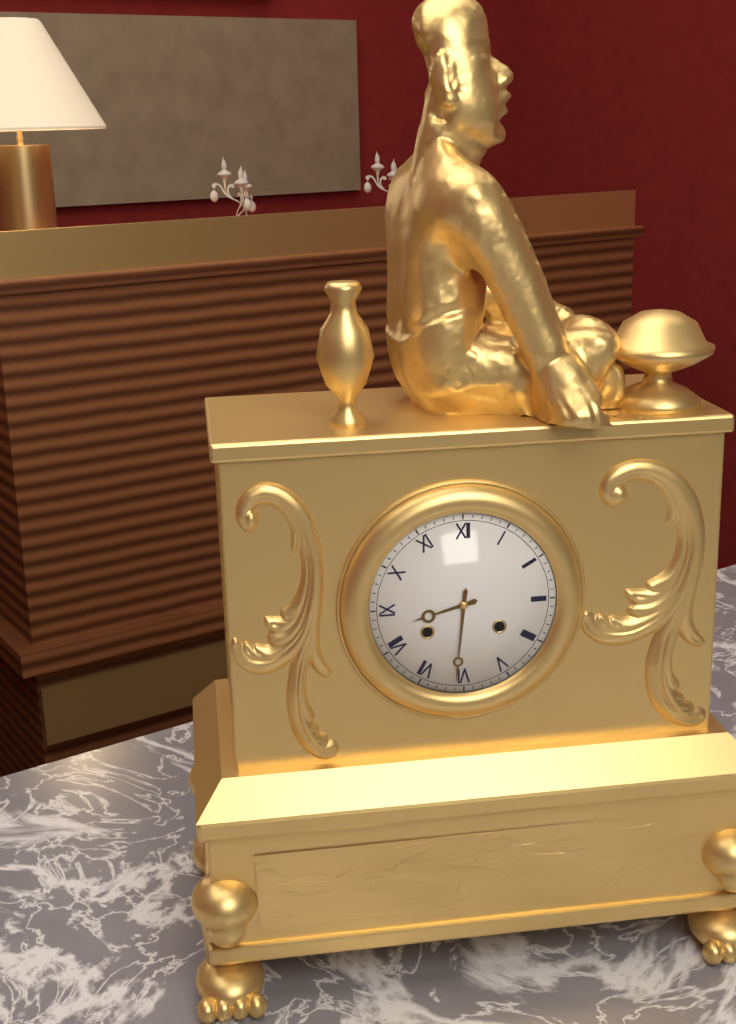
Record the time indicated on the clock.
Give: 8:31
